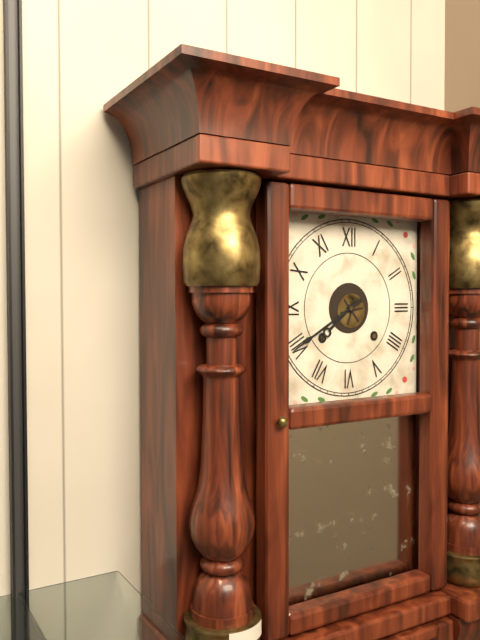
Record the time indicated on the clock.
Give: 7:40
